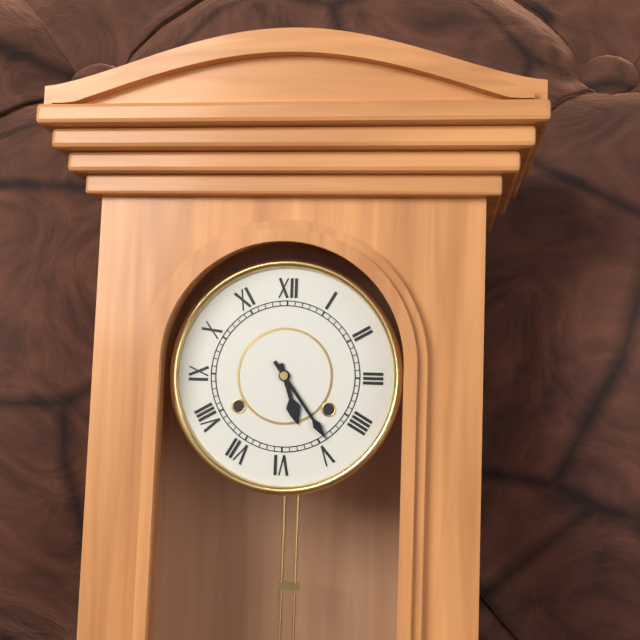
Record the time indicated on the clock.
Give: 5:24
